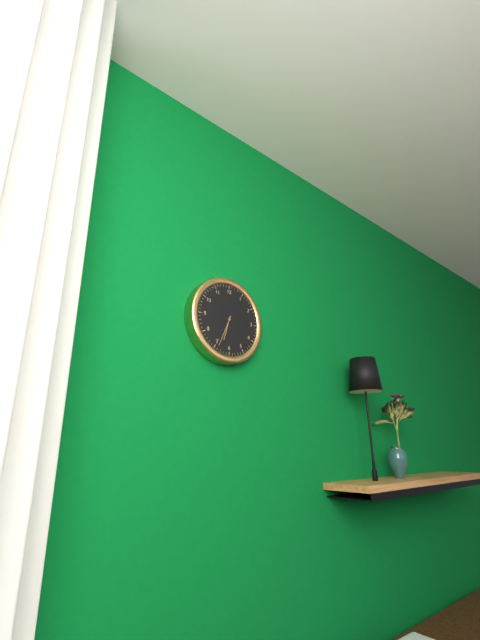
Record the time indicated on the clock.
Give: 6:34
